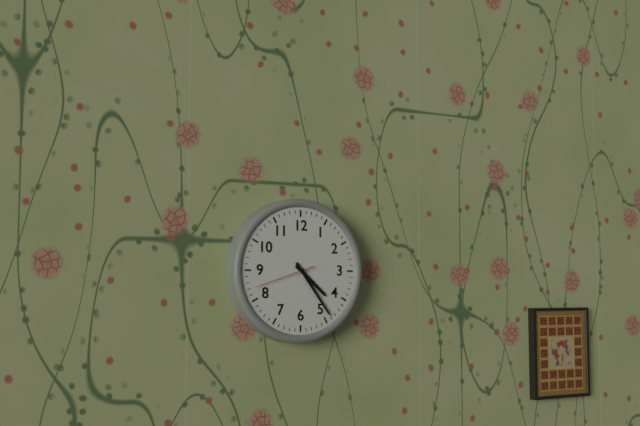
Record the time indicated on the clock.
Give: 4:24:42
